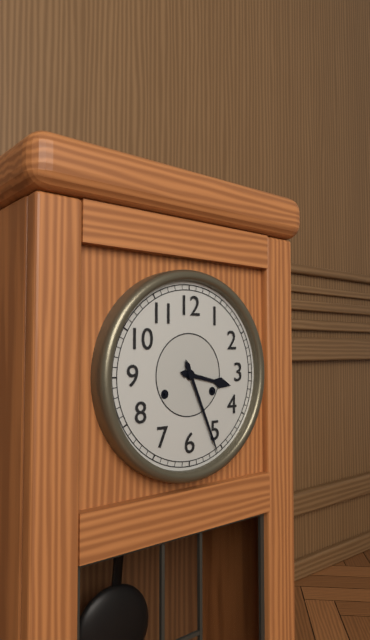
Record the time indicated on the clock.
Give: 3:26
